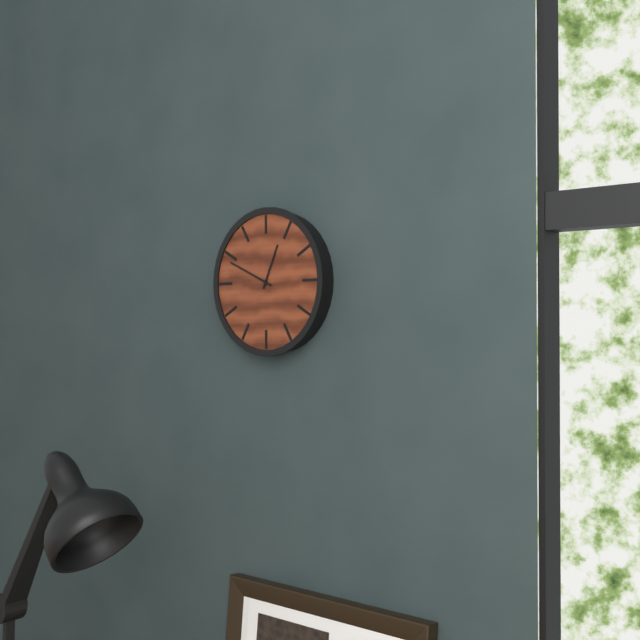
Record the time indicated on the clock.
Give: 12:49
